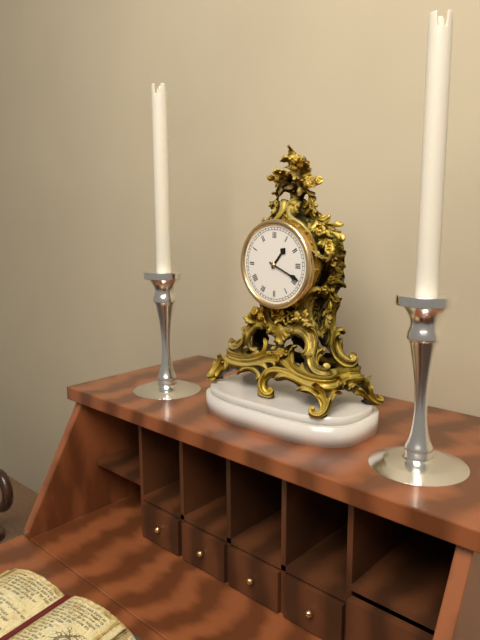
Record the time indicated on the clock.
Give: 1:19
